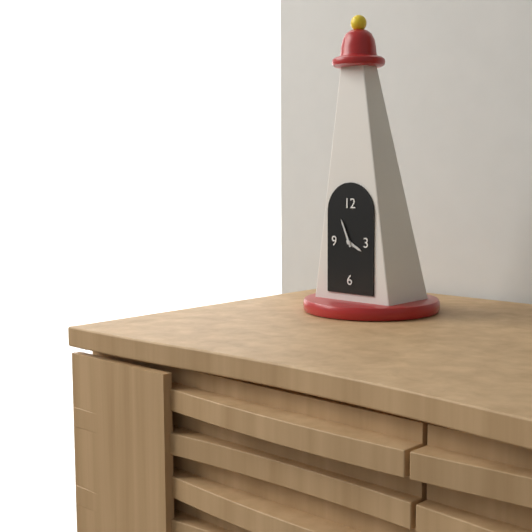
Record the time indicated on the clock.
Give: 3:56
